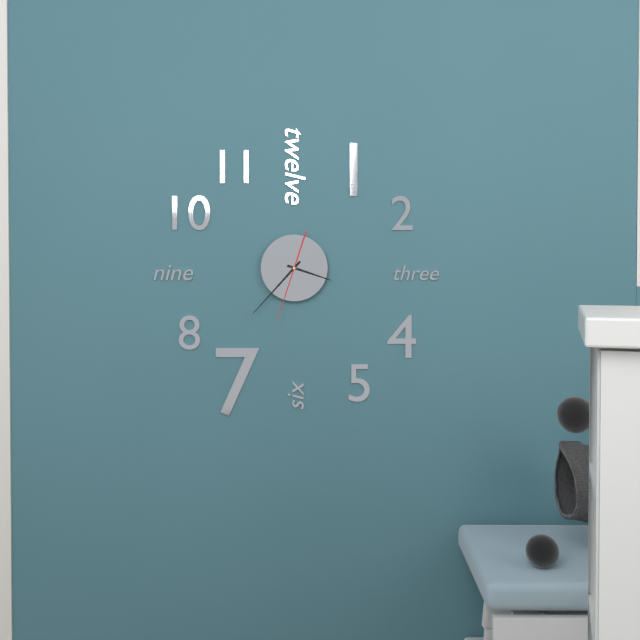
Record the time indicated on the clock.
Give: 3:37:33
